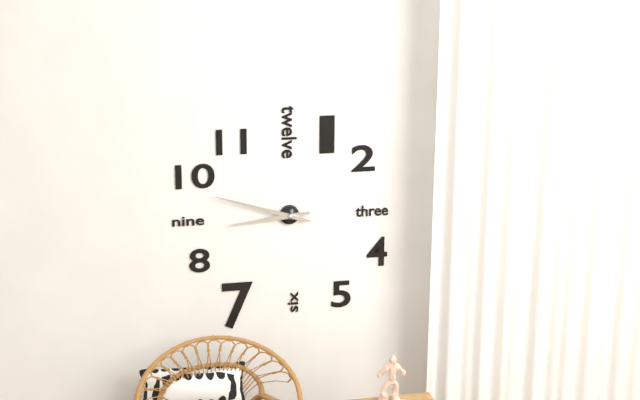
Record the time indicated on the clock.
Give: 8:48
